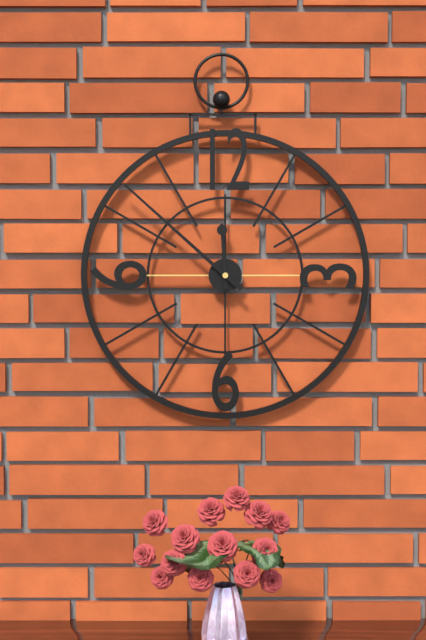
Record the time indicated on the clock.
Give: 11:52
